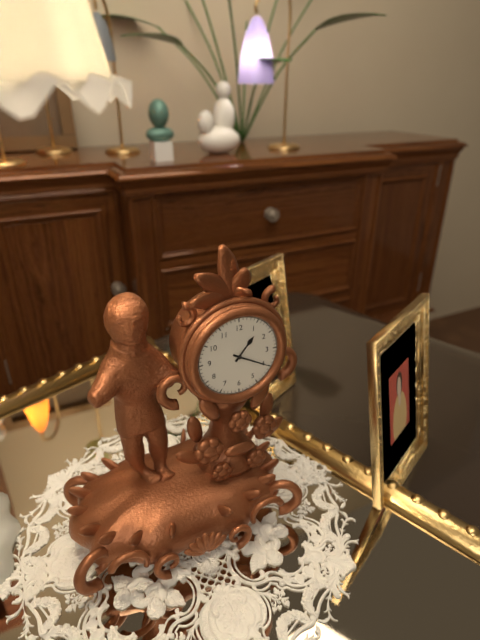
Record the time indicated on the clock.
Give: 1:20
